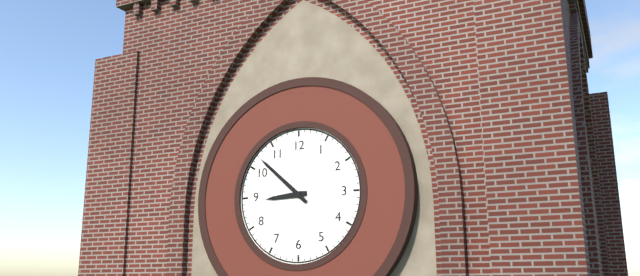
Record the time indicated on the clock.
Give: 8:52
